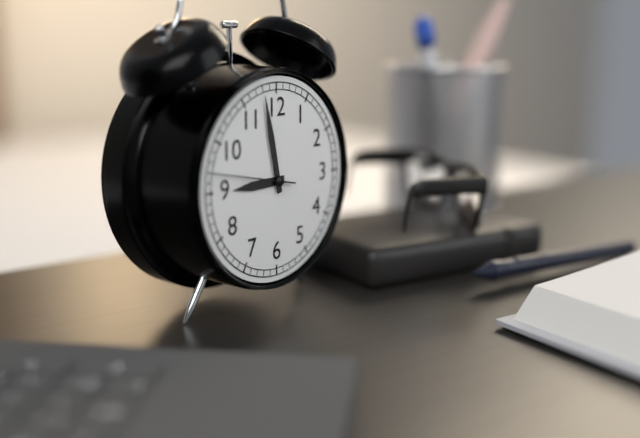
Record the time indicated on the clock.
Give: 8:58:47
